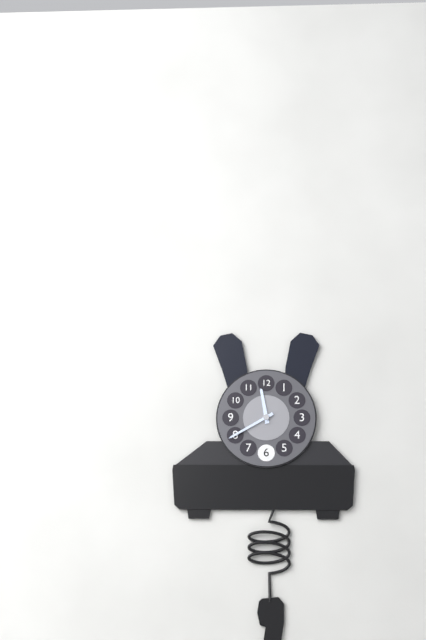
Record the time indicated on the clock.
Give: 11:40
